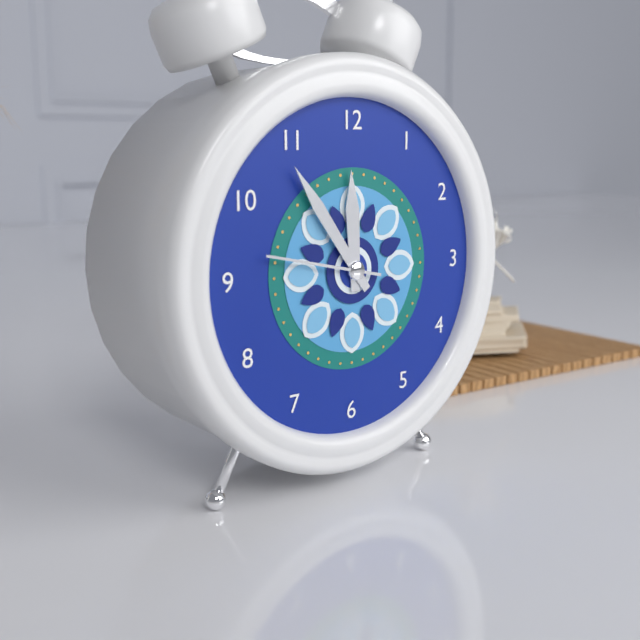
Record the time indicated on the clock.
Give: 11:54:47
